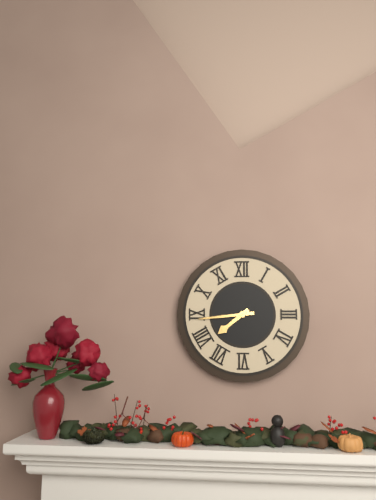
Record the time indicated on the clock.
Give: 7:44
